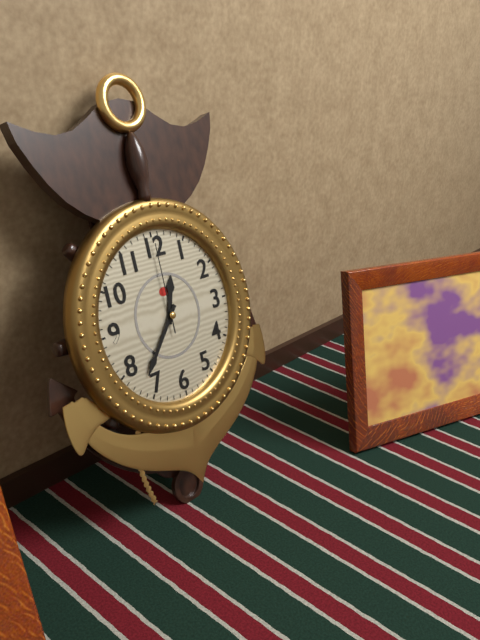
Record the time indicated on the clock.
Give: 12:37:00
